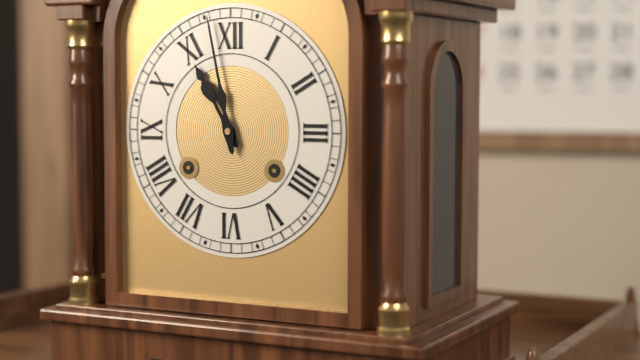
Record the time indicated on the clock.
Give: 10:58
